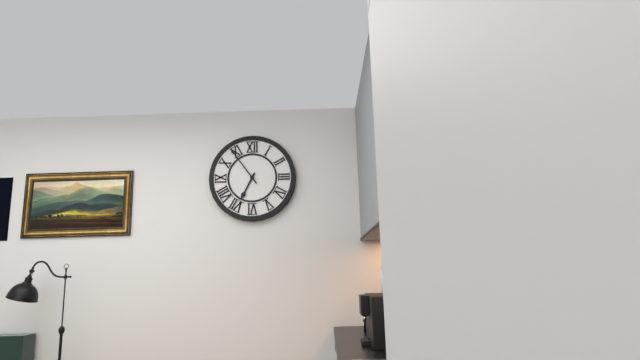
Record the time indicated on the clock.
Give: 6:54
